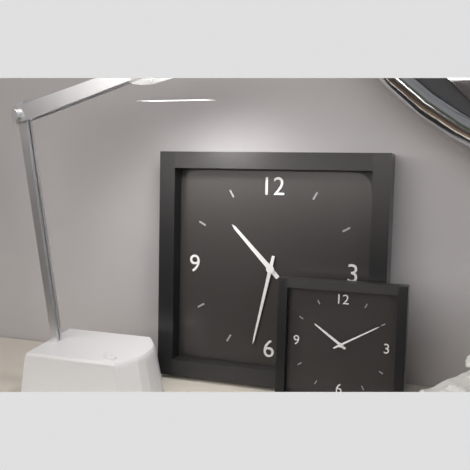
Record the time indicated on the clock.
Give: 10:32
